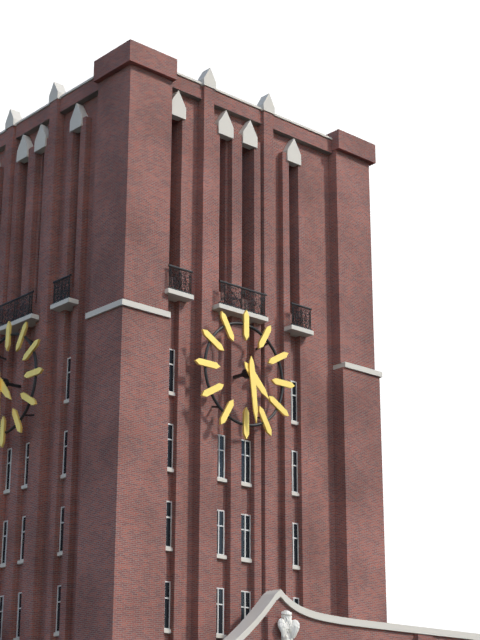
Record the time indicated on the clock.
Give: 4:29
